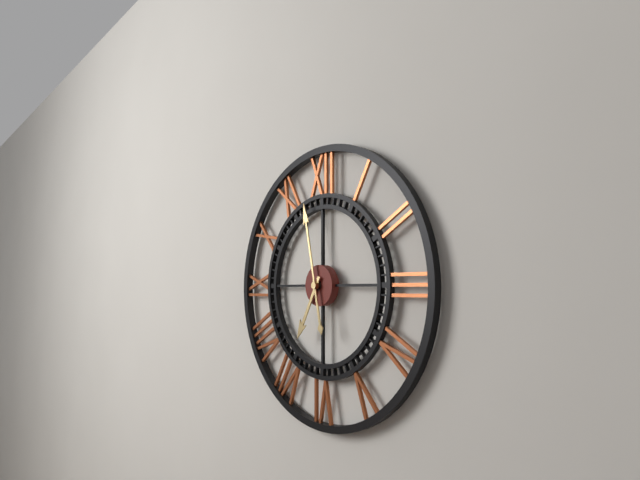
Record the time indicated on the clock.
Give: 6:58
